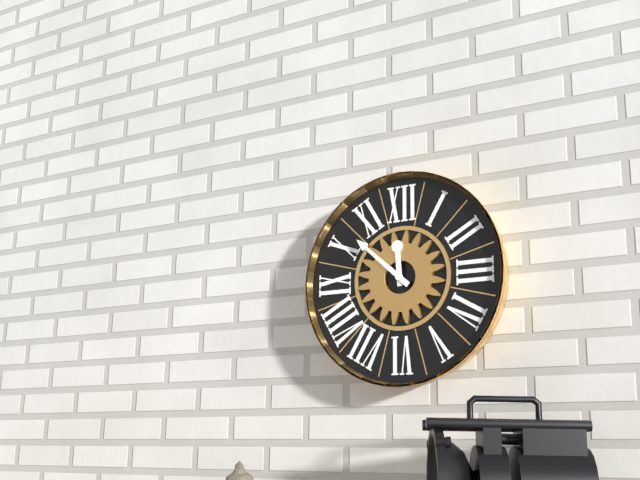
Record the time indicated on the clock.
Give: 11:52
